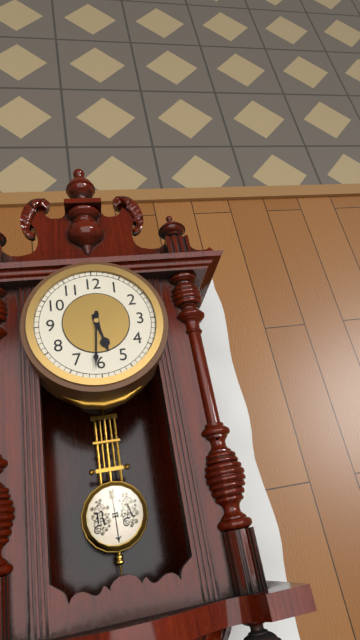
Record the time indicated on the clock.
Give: 5:31
